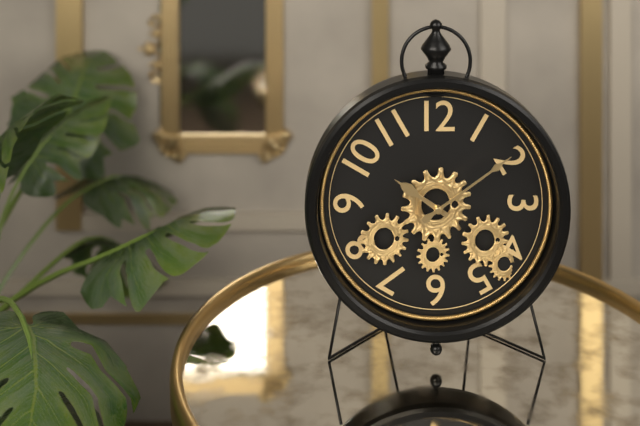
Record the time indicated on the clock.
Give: 10:09
